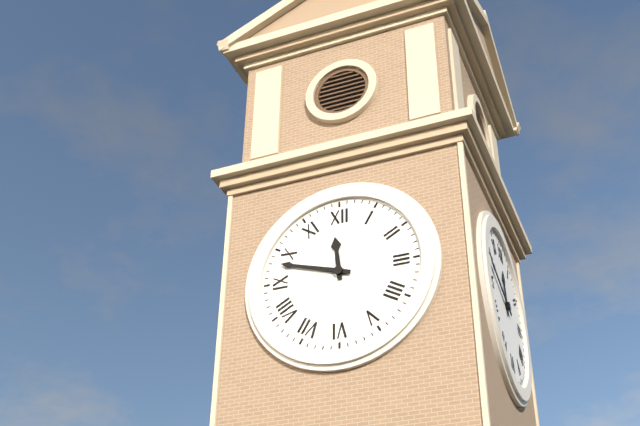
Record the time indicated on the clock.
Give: 11:48
